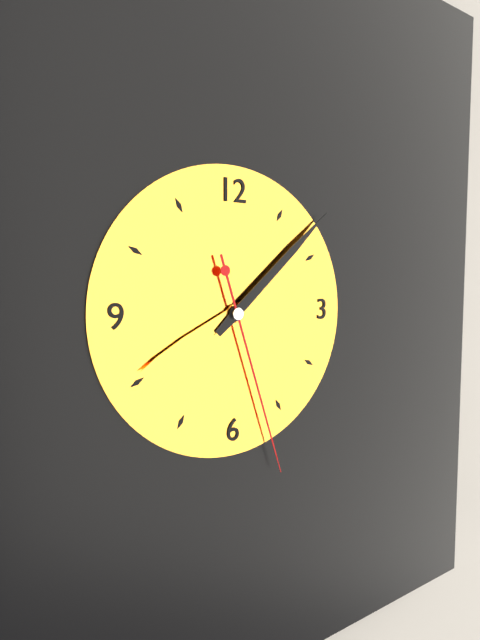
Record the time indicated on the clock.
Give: 8:08:27
